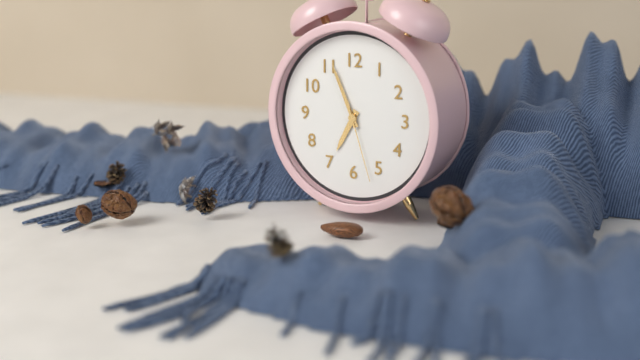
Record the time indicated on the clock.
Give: 6:56:27
